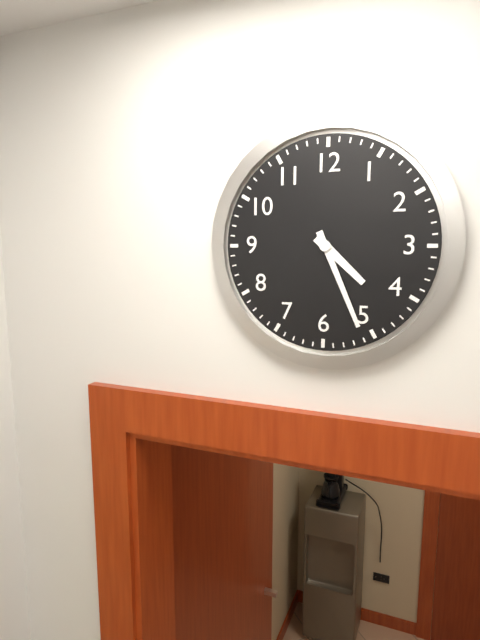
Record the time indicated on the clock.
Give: 4:26
